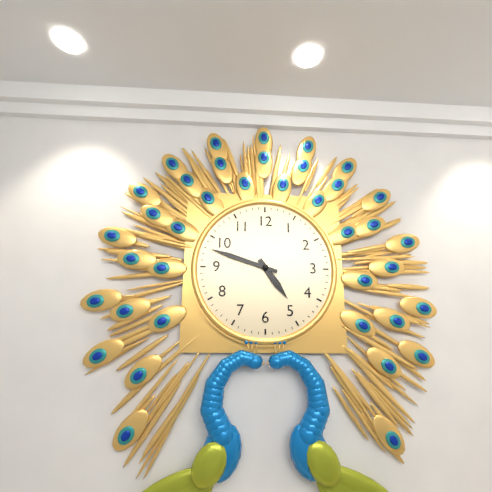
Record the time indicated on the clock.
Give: 4:48
